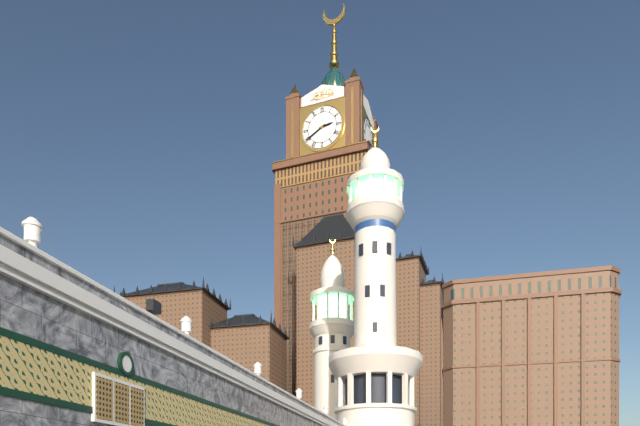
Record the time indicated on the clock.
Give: 2:40
